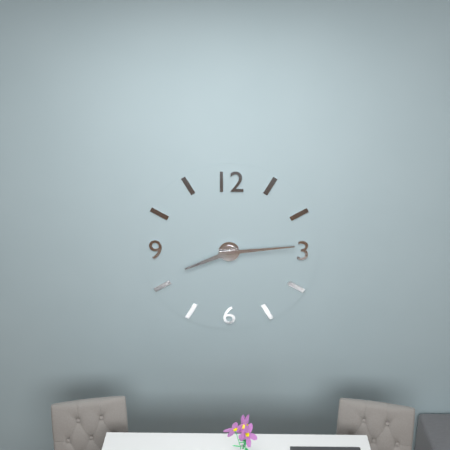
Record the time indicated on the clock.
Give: 8:14
